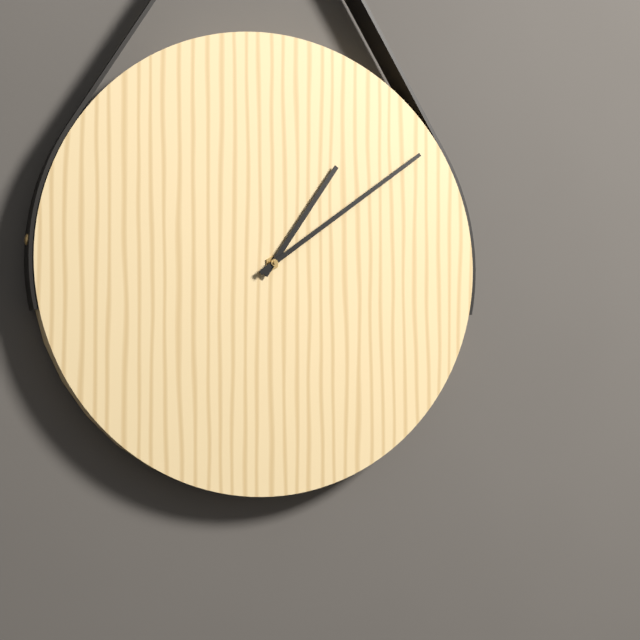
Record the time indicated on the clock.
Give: 1:09
